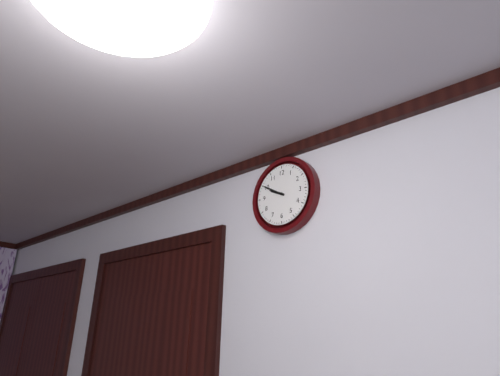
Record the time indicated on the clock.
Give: 9:50
